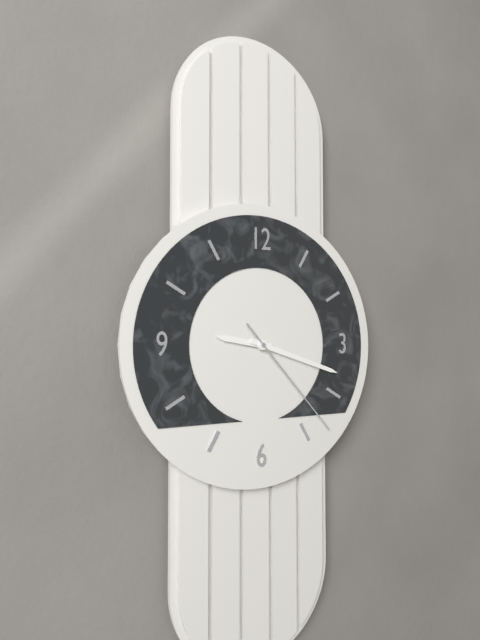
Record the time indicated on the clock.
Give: 9:18:23
